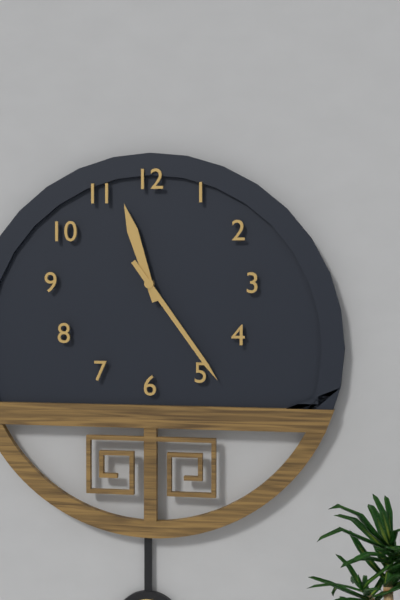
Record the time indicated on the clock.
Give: 11:24
